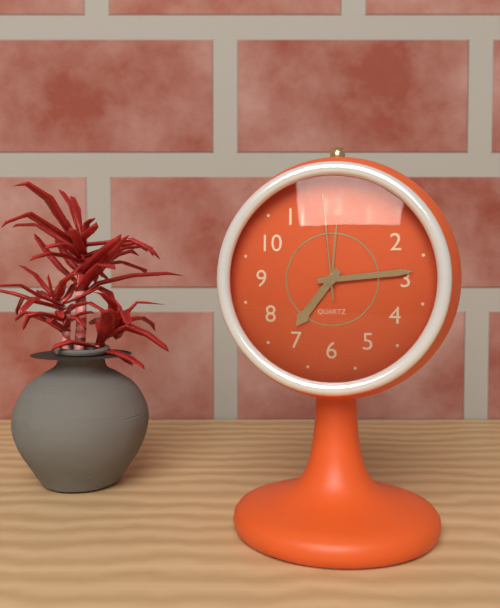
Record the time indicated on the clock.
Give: 7:14:59
